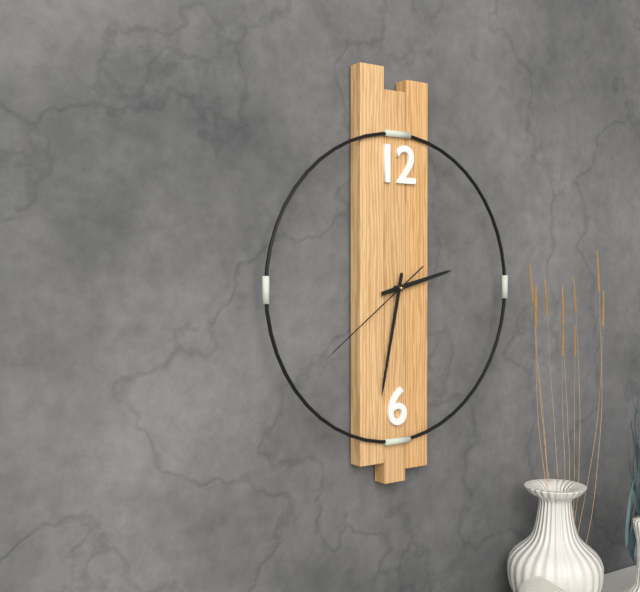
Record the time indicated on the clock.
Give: 2:32:39
